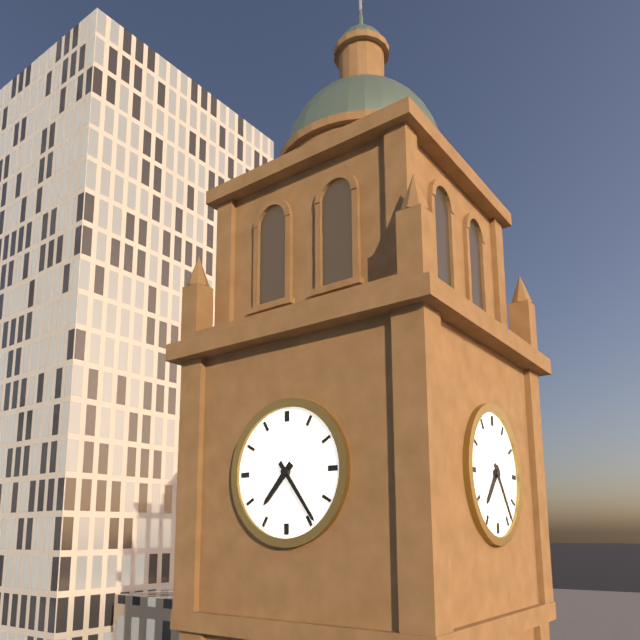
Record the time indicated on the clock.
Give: 7:24
